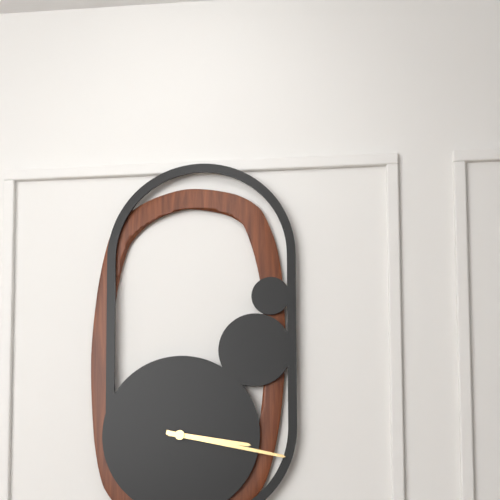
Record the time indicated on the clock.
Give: 3:17
